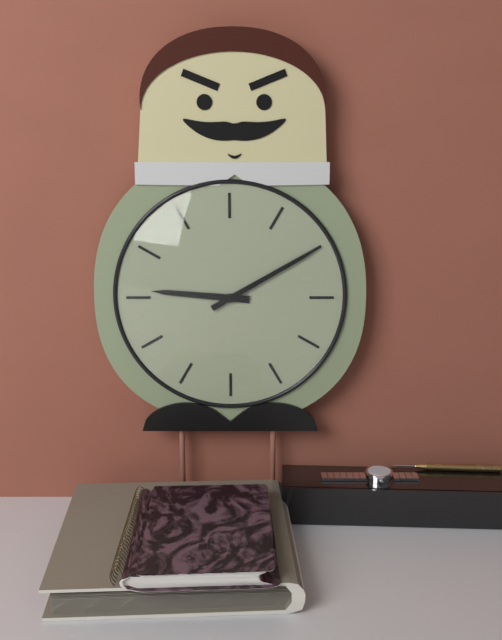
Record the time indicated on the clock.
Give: 9:10
